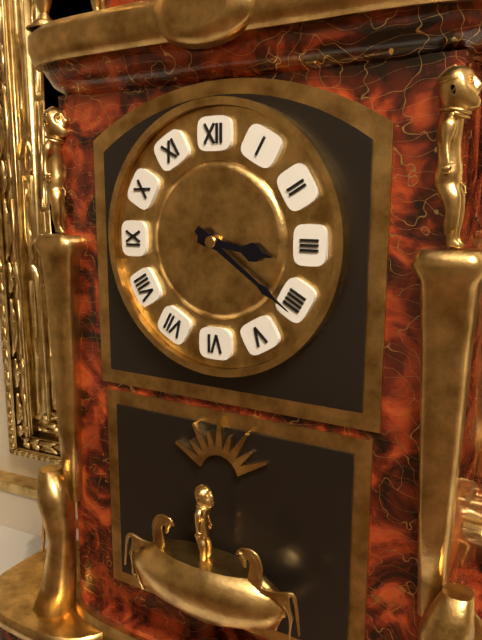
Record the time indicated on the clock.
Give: 3:21
